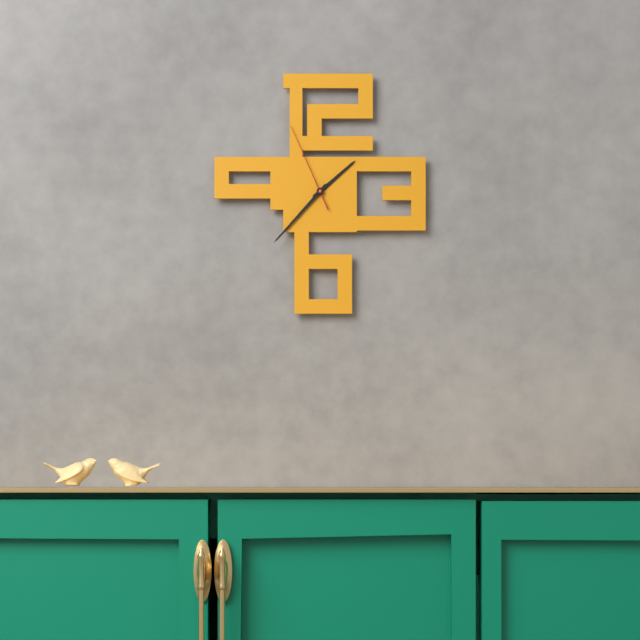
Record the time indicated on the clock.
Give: 1:37:56
